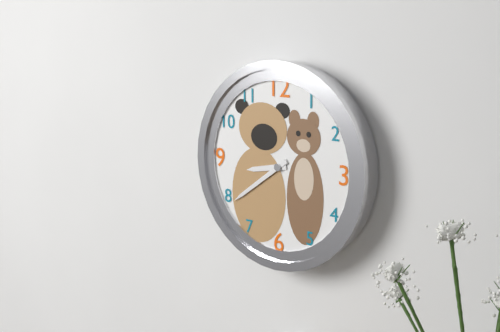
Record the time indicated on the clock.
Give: 8:39
